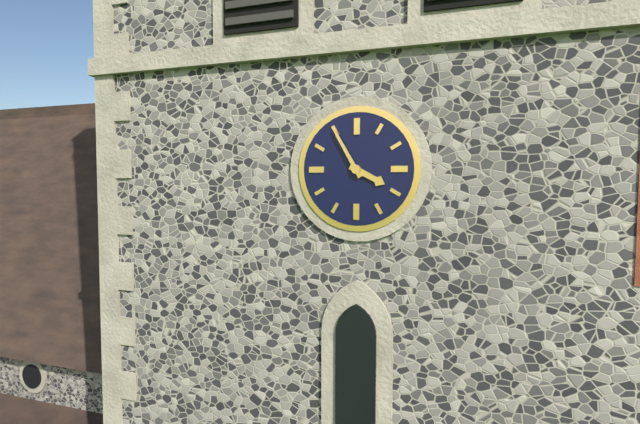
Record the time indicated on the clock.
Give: 3:55
